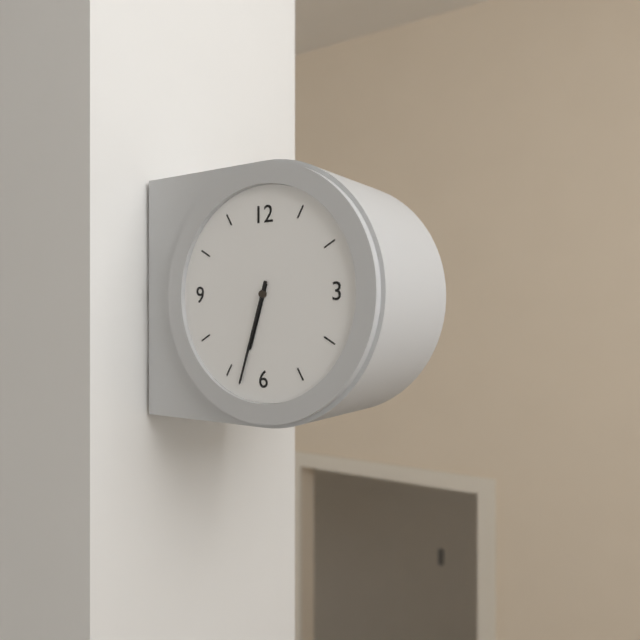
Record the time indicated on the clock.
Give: 6:33
